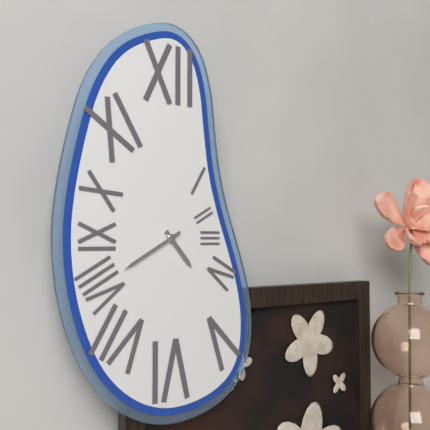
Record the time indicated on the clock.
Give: 4:40
